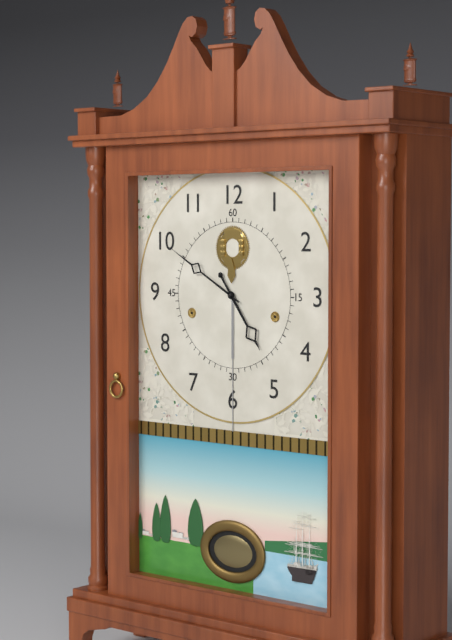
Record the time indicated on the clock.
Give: 4:50
